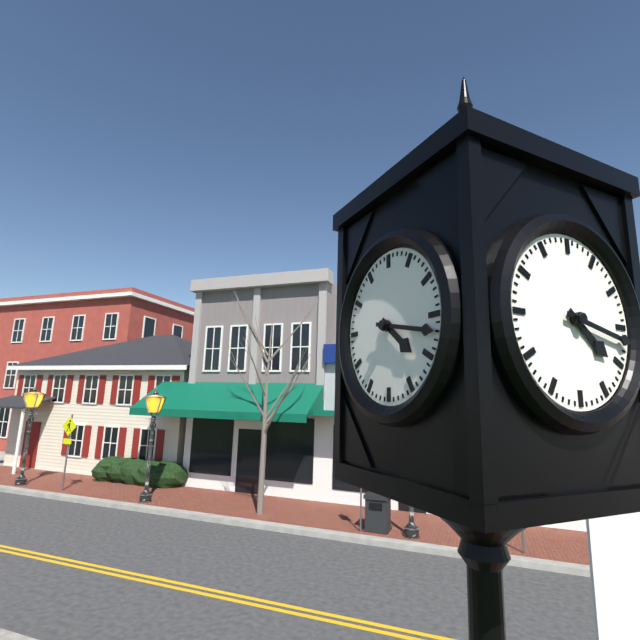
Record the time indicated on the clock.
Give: 4:17
